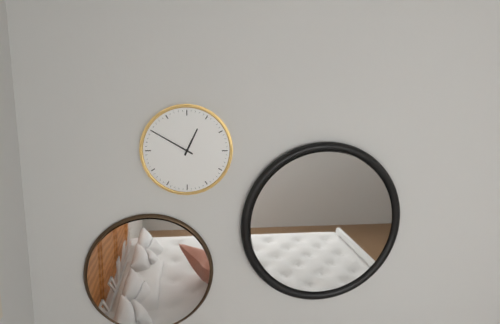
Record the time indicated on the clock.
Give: 12:50
